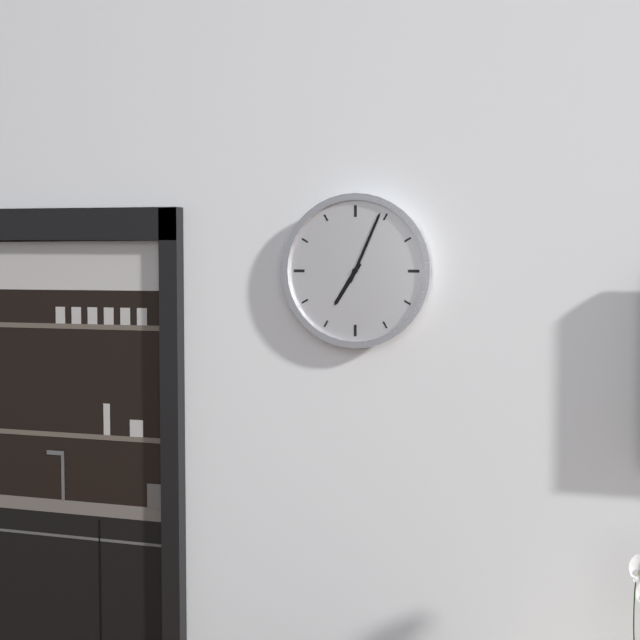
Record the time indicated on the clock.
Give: 7:04
